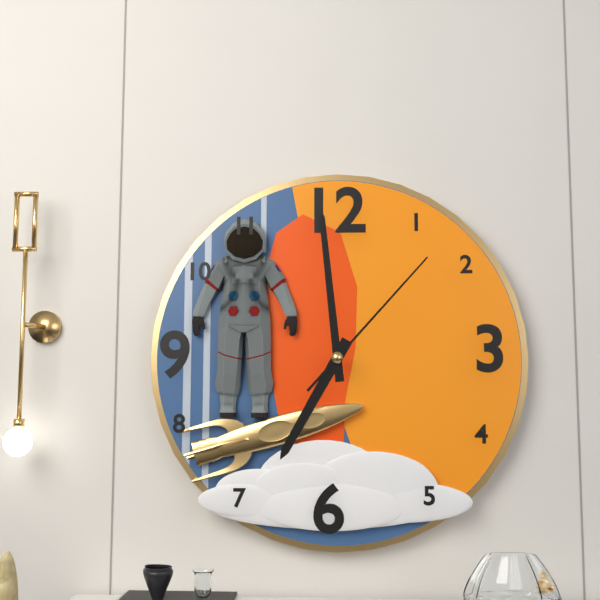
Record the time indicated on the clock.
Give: 6:59:07
